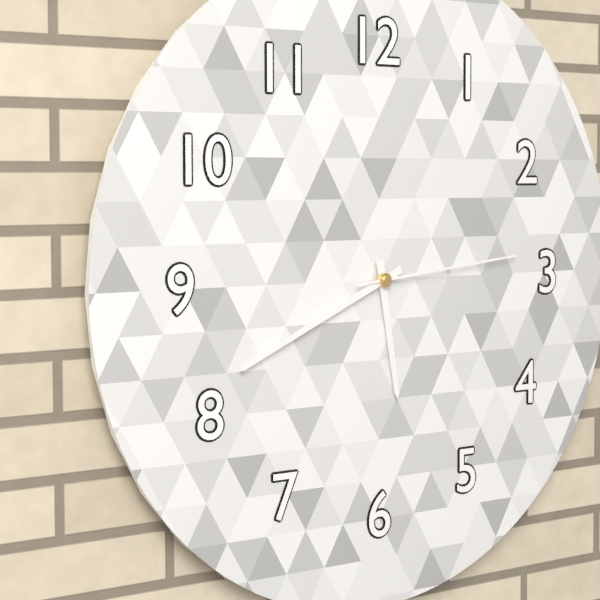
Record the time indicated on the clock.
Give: 5:41:14
